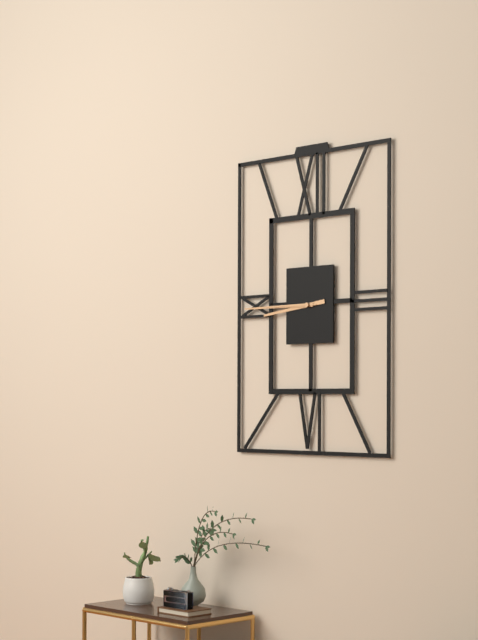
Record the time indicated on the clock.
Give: 8:45:45
